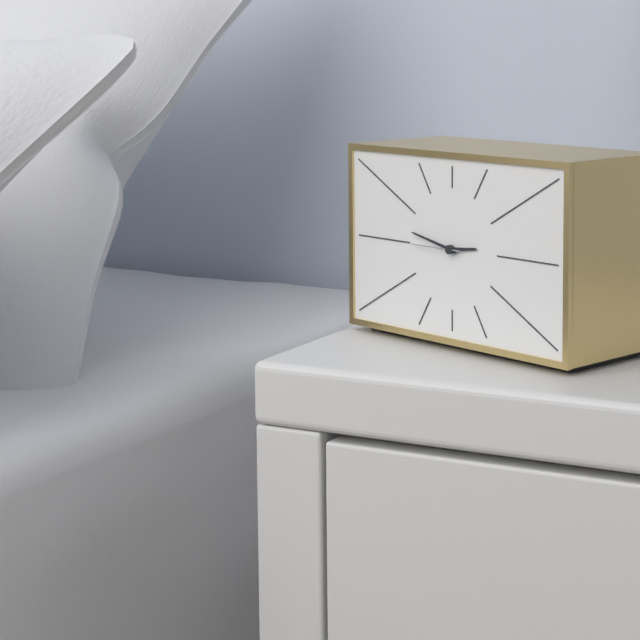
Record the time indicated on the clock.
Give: 2:47
